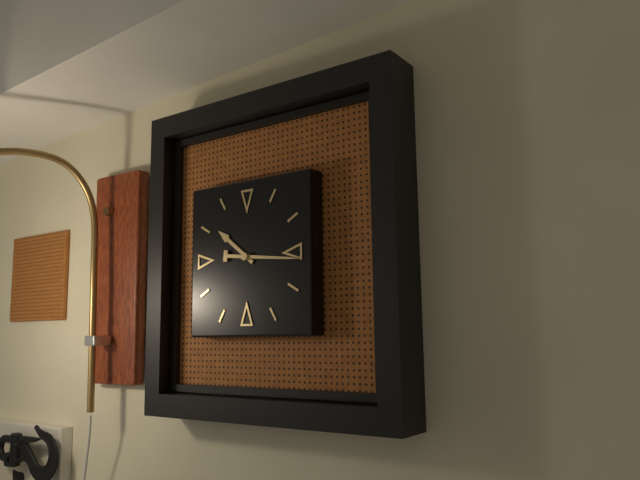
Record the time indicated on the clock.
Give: 10:16
